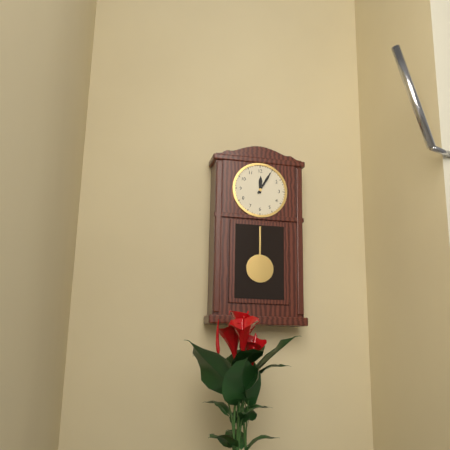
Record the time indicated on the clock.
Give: 12:05
